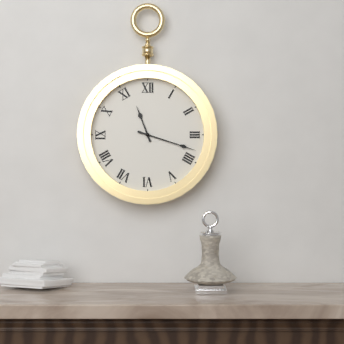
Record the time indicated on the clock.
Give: 11:18
